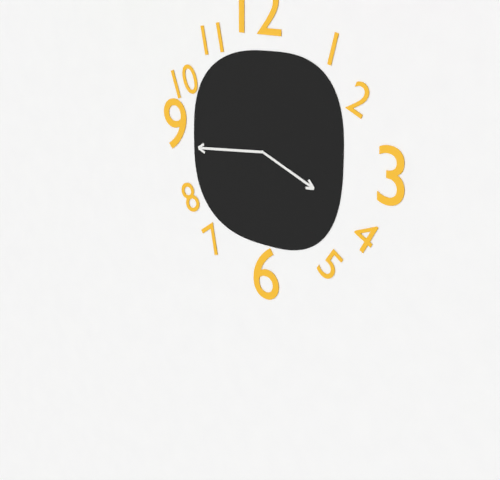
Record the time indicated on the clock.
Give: 3:44
